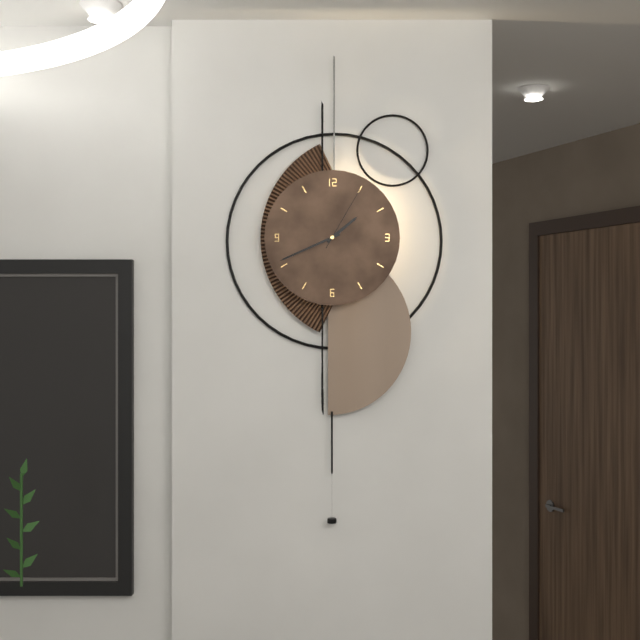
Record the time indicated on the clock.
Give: 1:41:05
